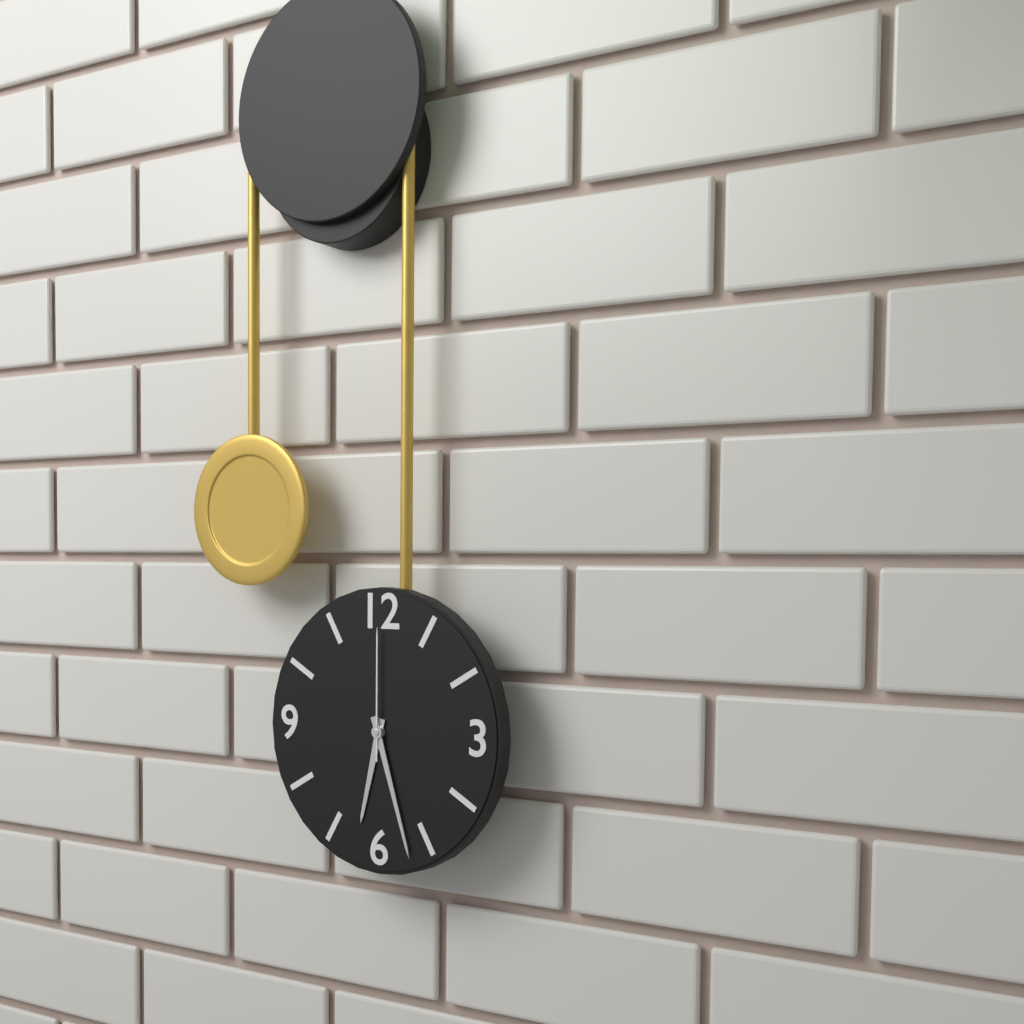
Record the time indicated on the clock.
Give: 6:27:00
